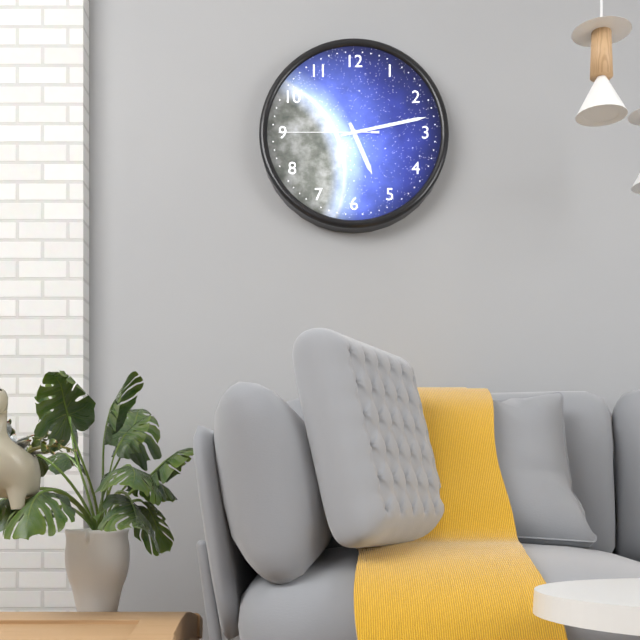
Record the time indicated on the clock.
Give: 5:13:45
